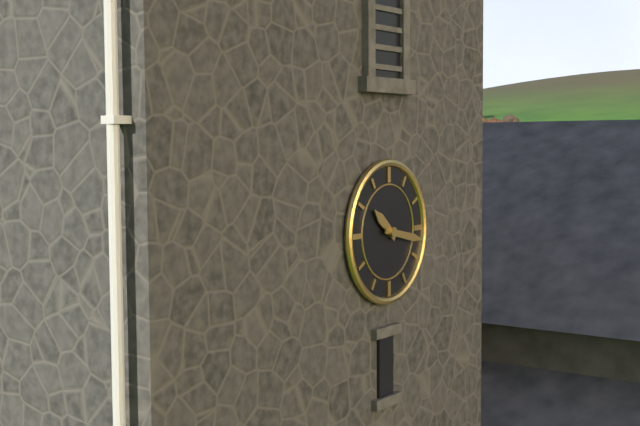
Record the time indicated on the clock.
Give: 10:17
